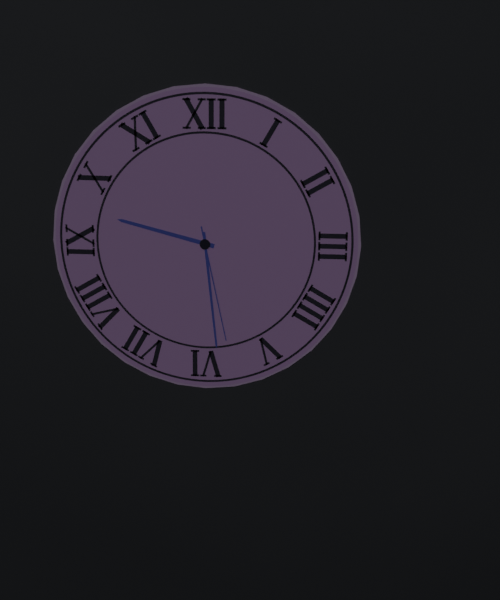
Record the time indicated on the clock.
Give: 9:29:28
